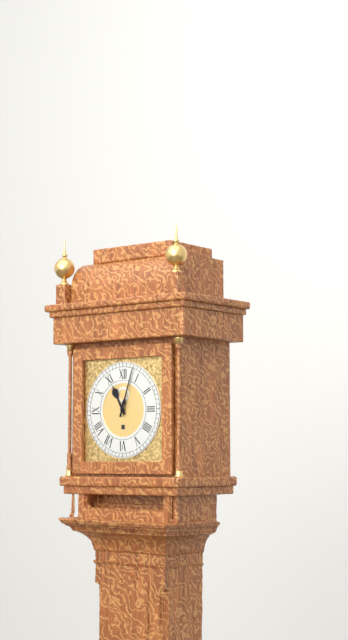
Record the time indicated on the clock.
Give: 11:03
